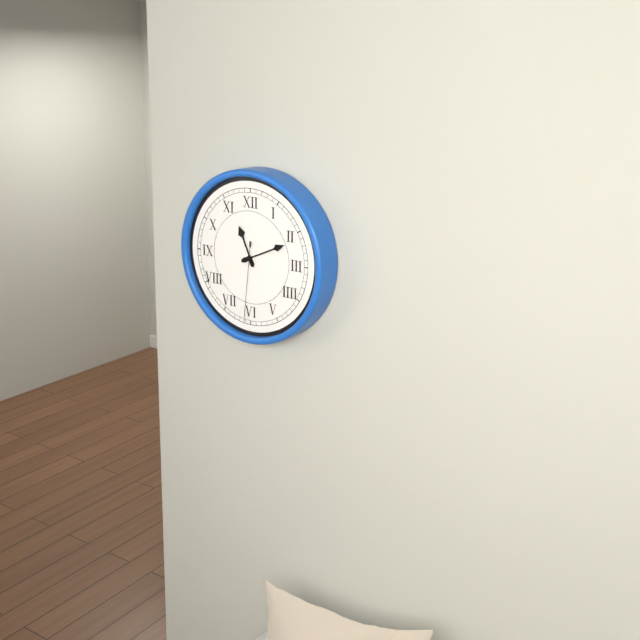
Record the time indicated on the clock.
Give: 11:11:31
